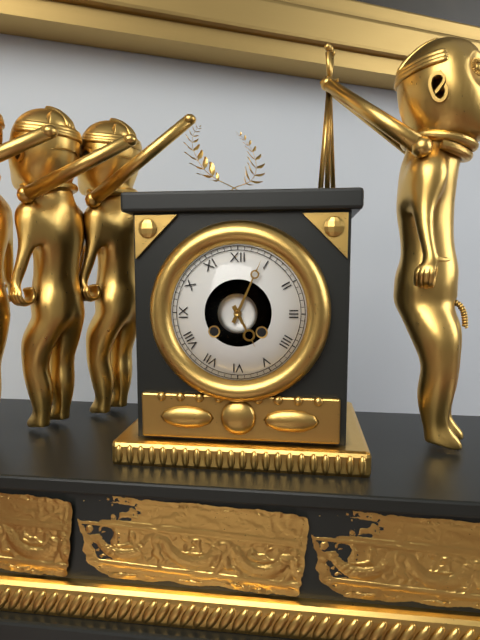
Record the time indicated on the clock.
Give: 5:04
